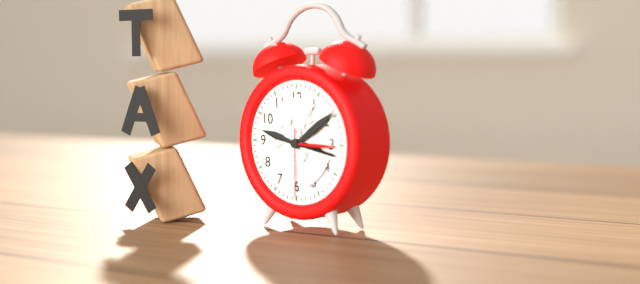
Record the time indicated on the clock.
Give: 3:17:30
